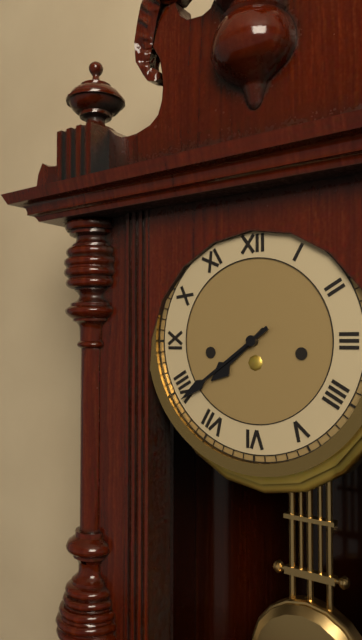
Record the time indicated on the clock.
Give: 7:39
